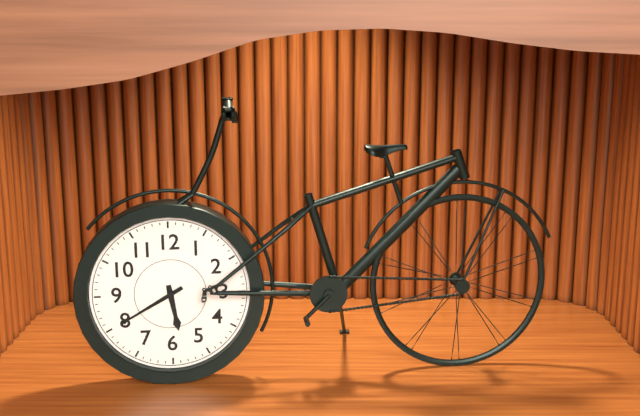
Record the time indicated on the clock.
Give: 5:40
